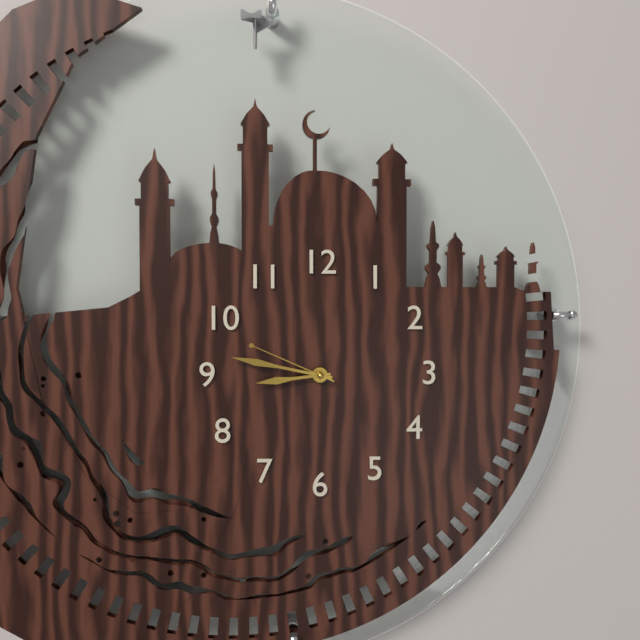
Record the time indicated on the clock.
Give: 8:47:49
